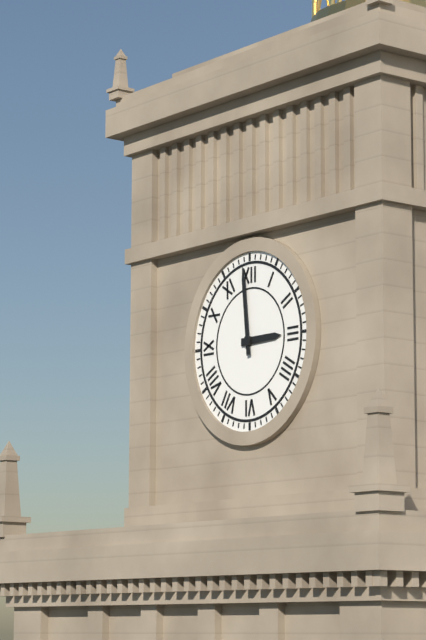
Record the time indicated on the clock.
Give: 2:59
